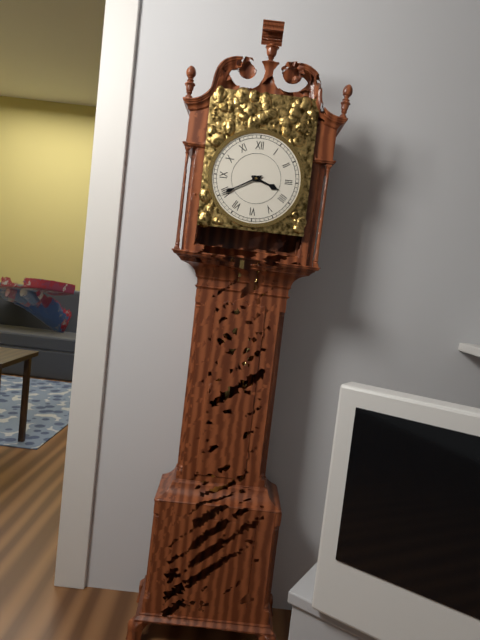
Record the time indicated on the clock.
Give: 3:40
